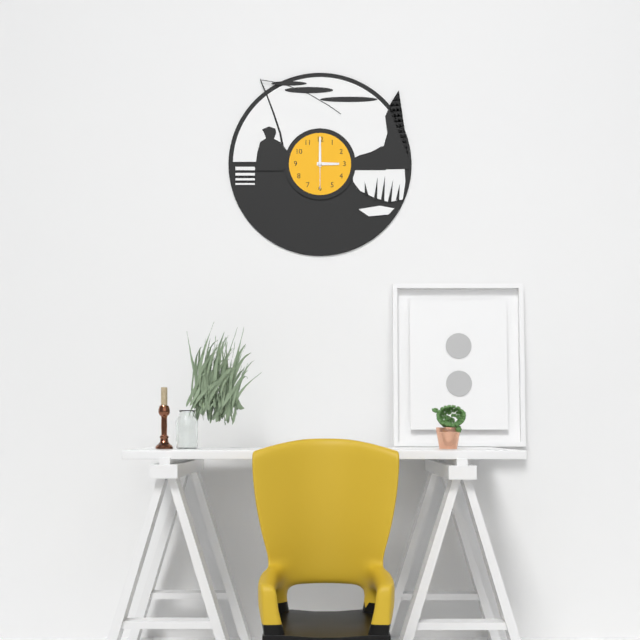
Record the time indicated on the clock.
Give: 3:00
